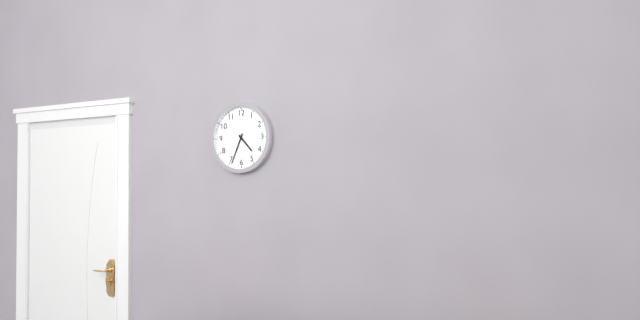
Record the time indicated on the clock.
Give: 4:34
